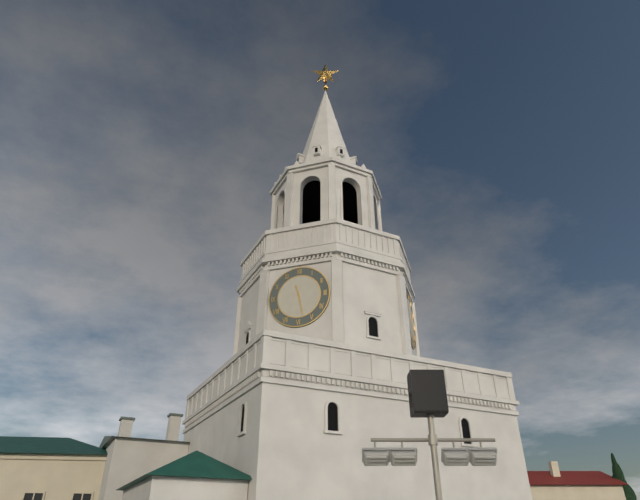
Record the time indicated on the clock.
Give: 11:28
